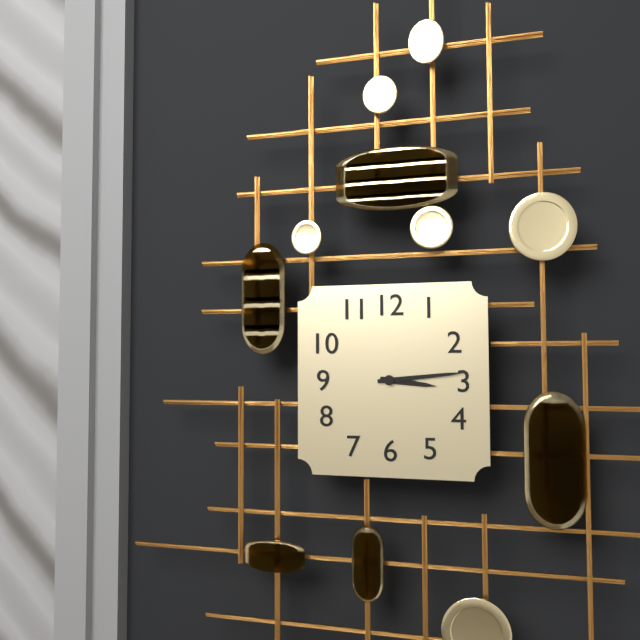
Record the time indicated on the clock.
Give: 3:14
